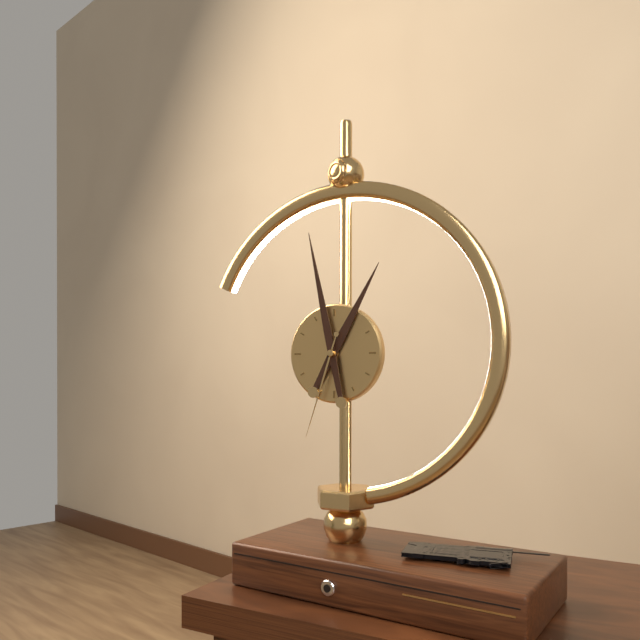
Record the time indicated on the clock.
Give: 12:58:33
